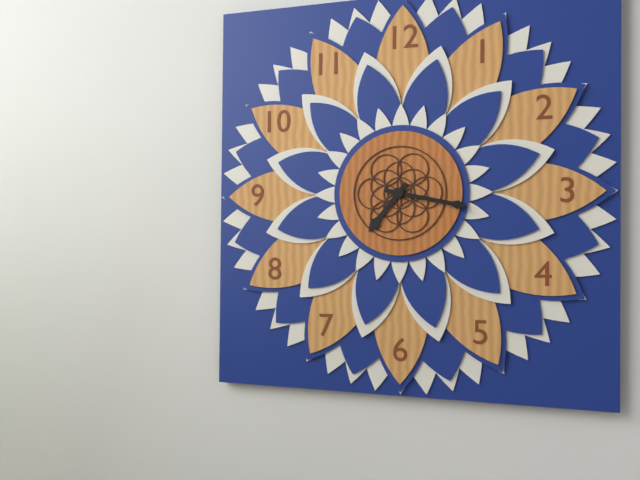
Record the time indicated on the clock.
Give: 7:17
